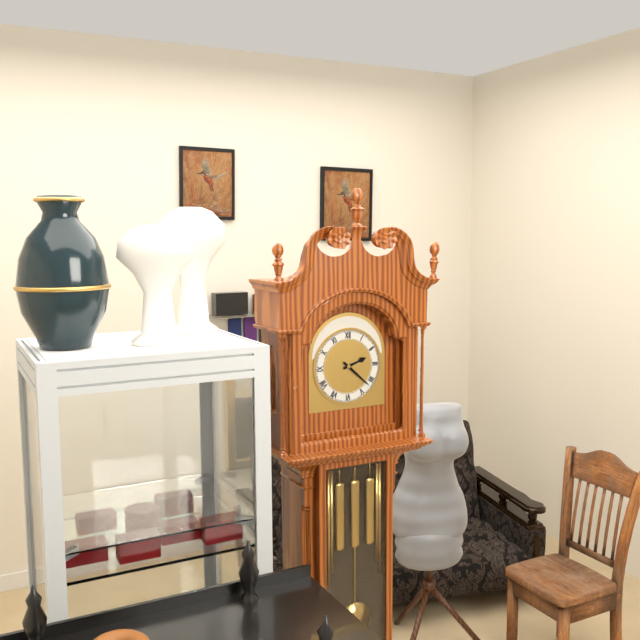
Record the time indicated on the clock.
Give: 2:22
